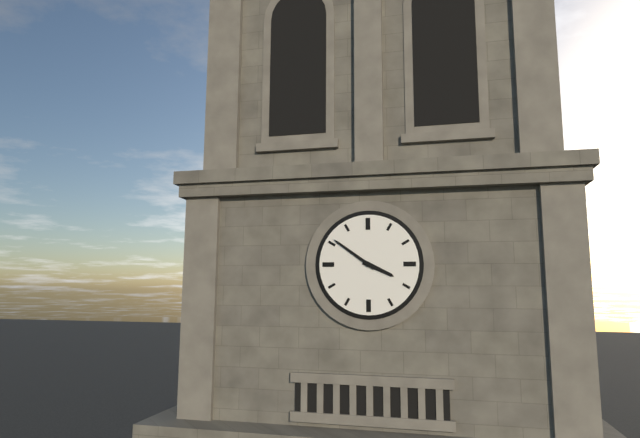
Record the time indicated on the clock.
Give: 3:51
